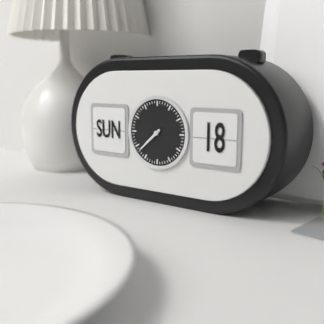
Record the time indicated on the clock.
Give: 7:38
